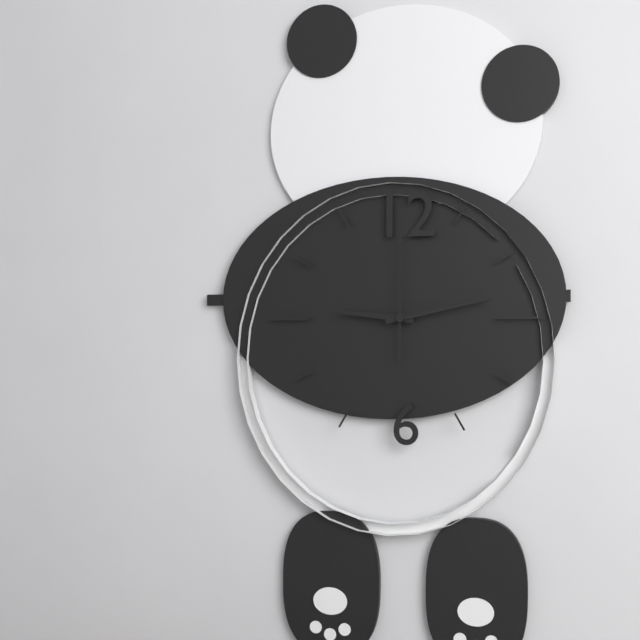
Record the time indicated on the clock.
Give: 9:13:00
